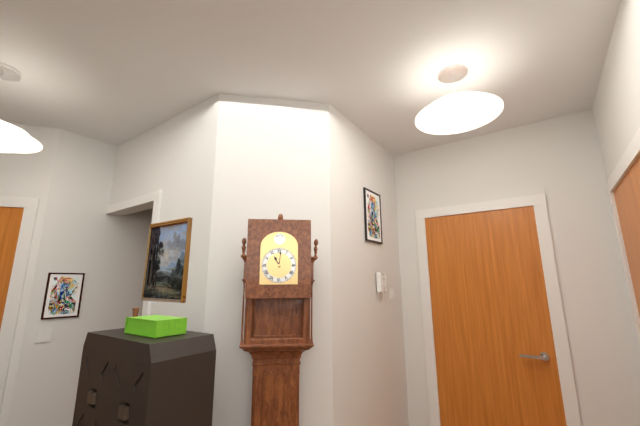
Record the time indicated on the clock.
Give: 11:01
